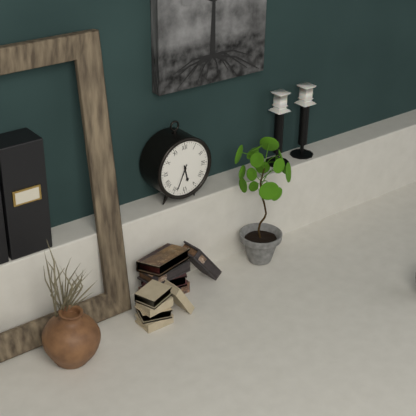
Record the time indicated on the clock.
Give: 5:34
